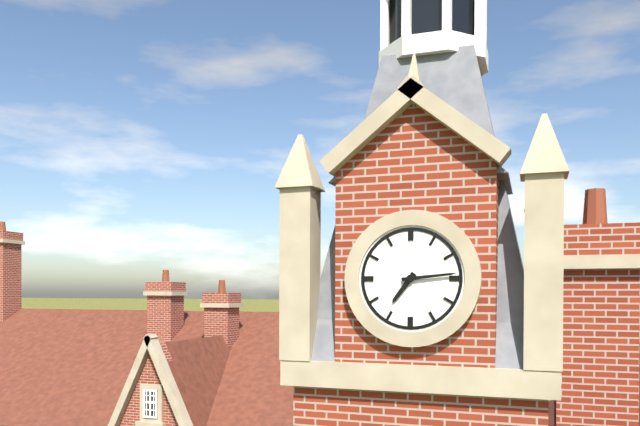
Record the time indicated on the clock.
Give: 7:14
